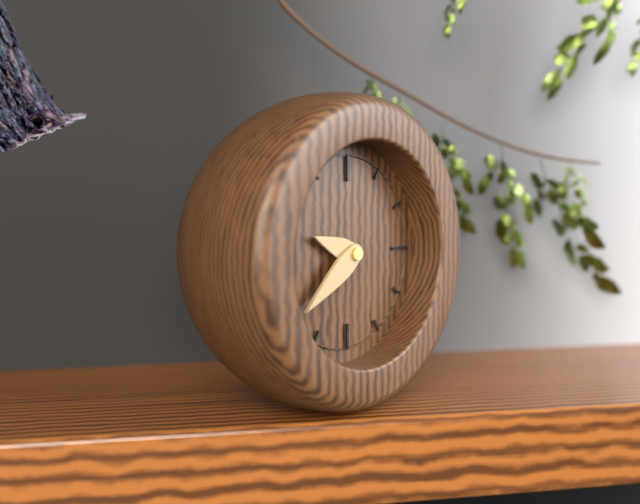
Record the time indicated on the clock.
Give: 9:39
